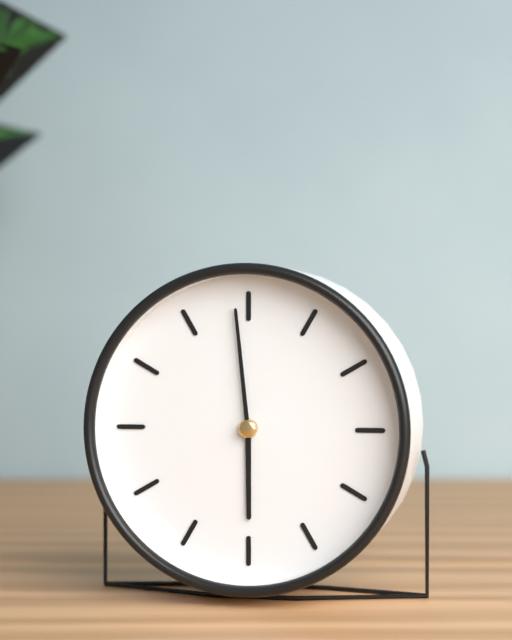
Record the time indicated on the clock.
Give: 5:59
